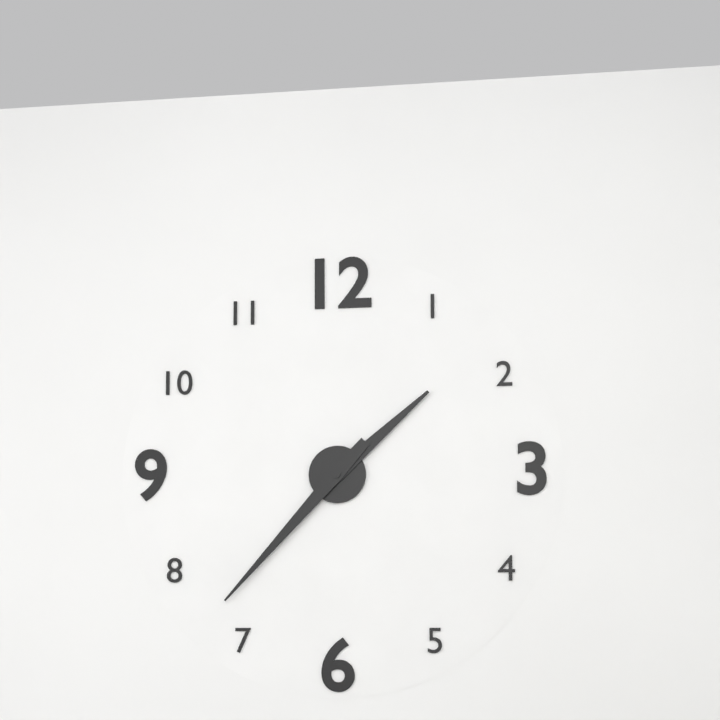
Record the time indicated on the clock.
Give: 1:37
